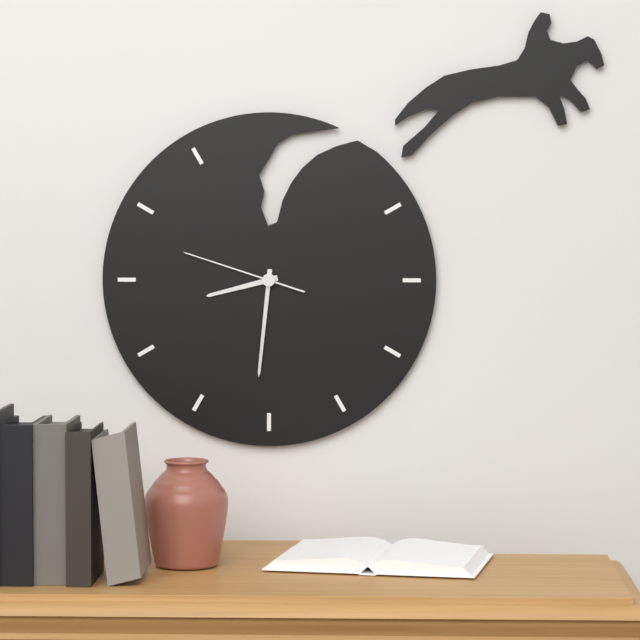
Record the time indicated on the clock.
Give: 8:31:48
